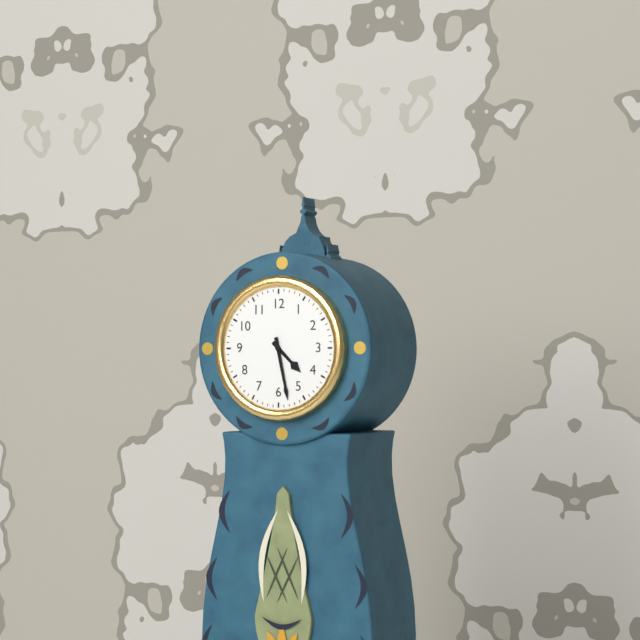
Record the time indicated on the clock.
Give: 4:28
